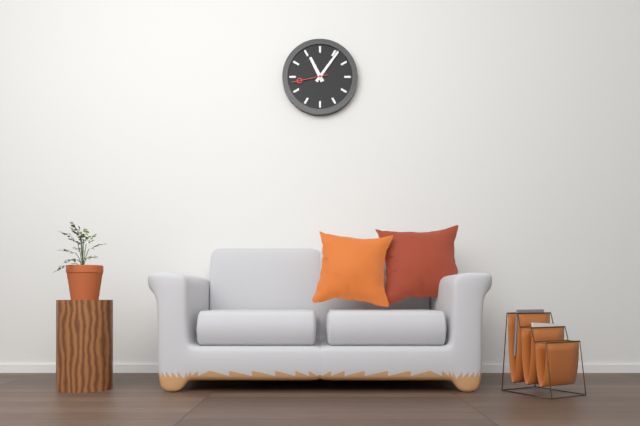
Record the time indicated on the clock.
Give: 11:06
